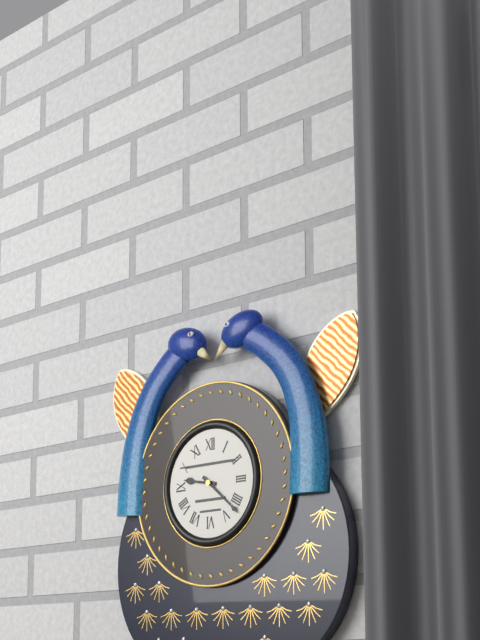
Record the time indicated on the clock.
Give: 9:22
